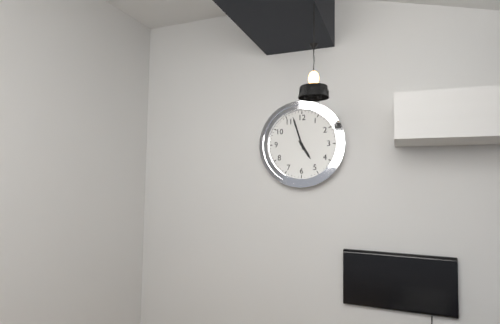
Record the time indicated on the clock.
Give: 4:57
